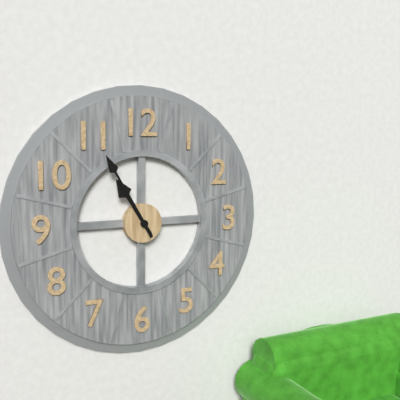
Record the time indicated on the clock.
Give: 10:55
